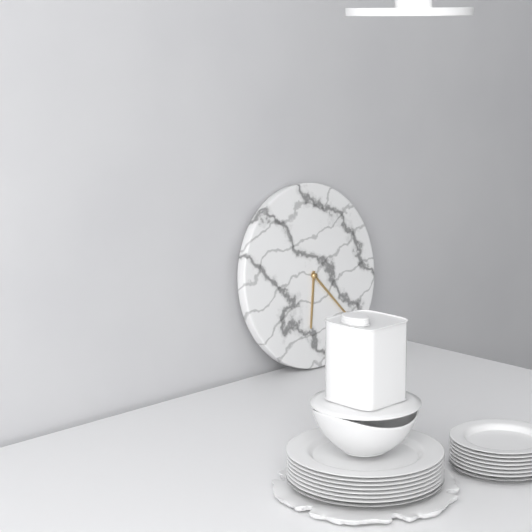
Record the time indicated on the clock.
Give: 6:23
